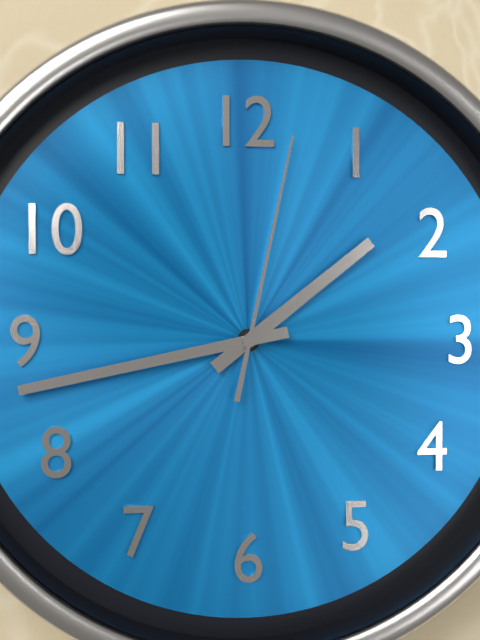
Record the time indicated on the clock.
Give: 1:43:02
